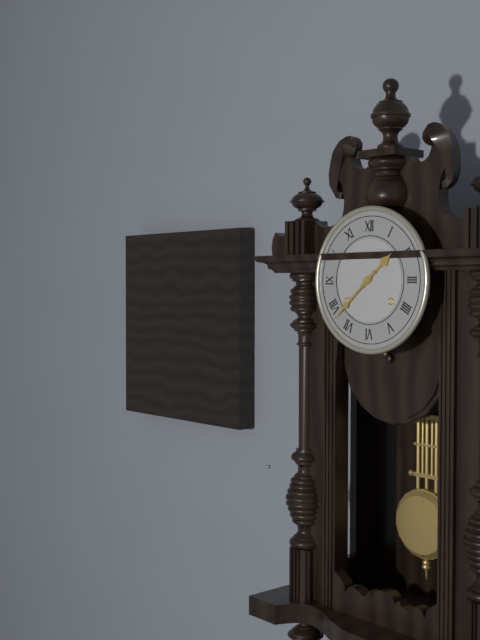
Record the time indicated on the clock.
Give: 1:38
